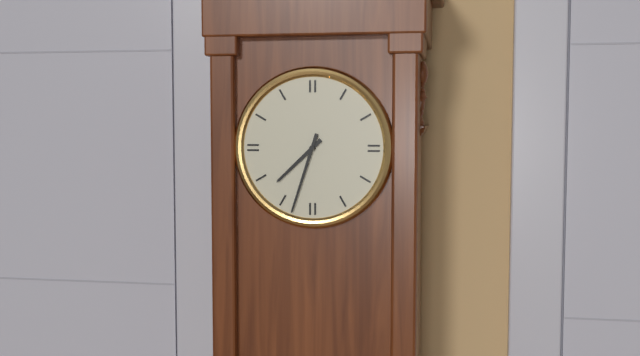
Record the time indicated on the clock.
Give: 7:33
